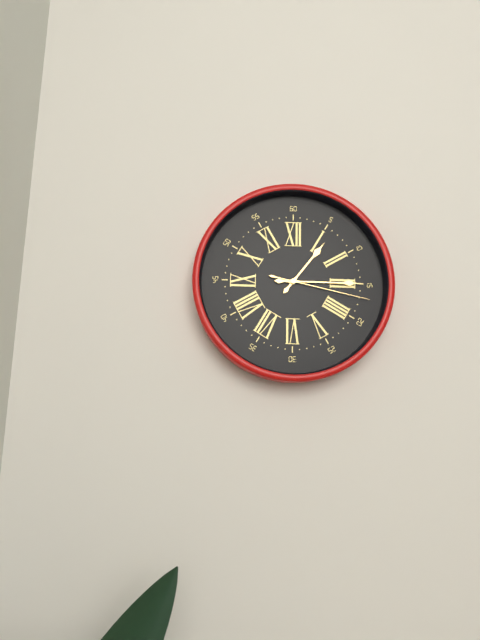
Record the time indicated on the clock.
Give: 1:15:17
